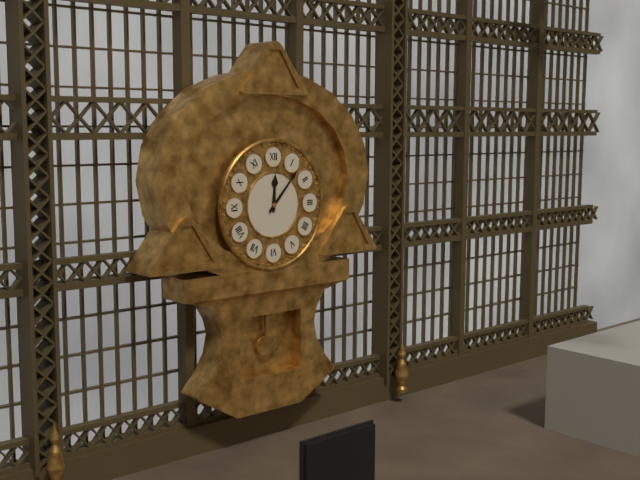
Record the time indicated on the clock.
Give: 12:07
